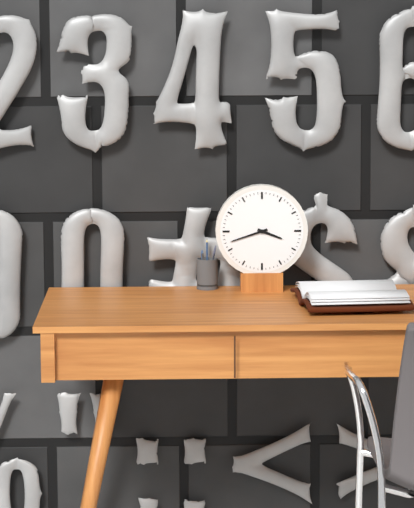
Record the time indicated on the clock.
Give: 3:42
